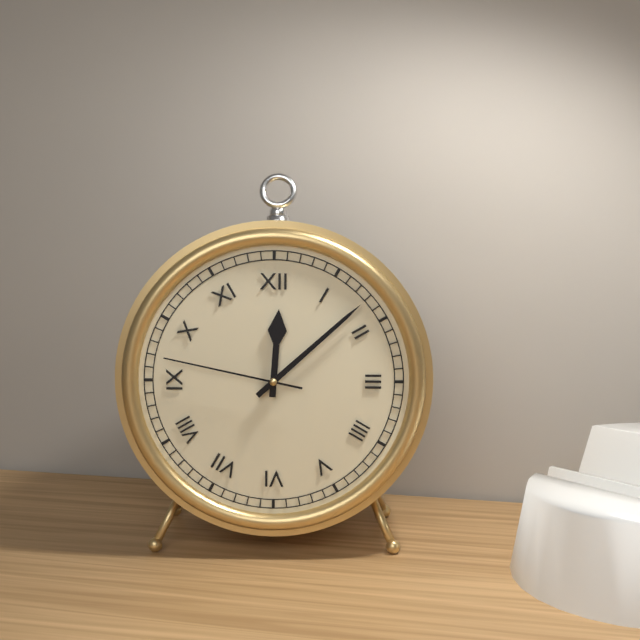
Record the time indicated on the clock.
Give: 12:08:47
